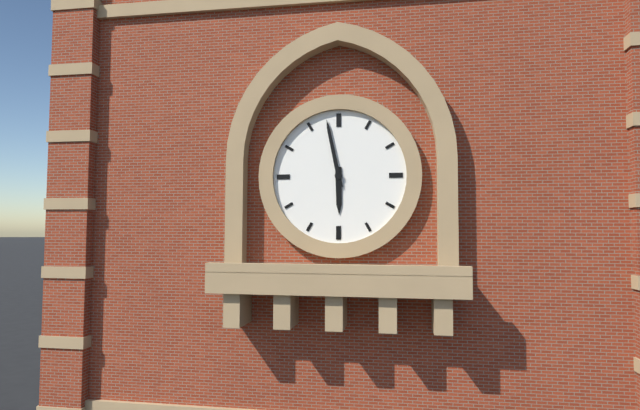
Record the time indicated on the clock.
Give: 5:58
